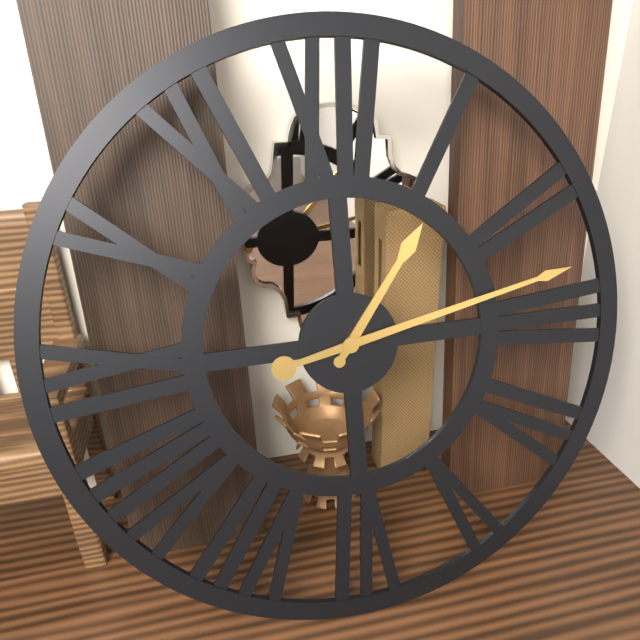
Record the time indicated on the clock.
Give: 1:13
